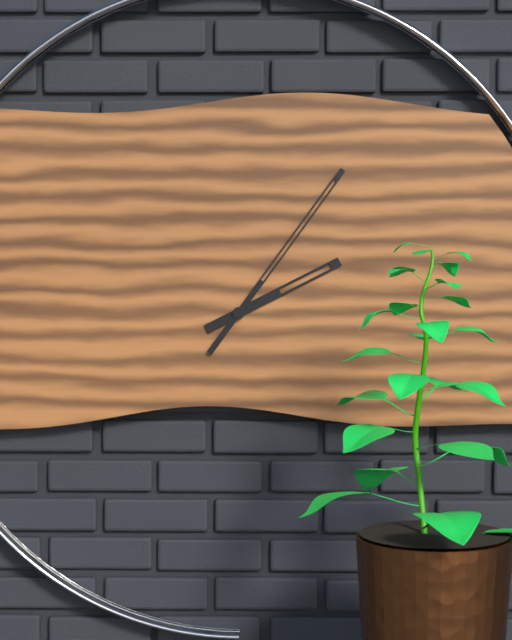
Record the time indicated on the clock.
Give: 2:06
